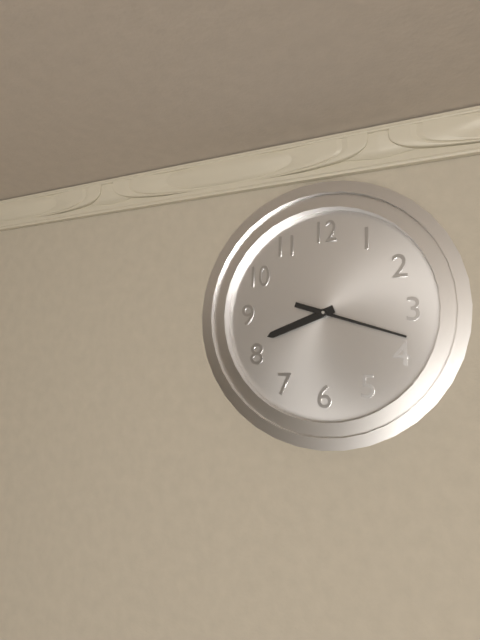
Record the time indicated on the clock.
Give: 8:18
